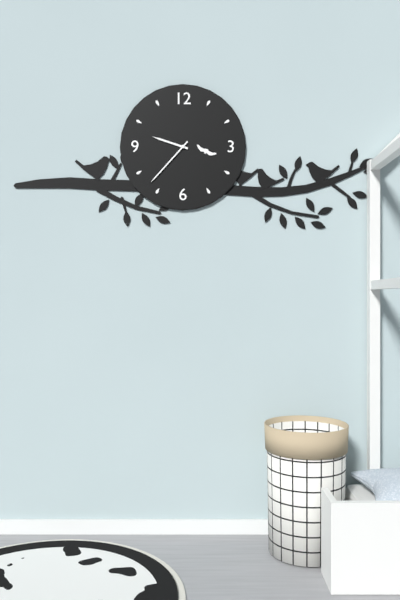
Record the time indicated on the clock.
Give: 9:37
